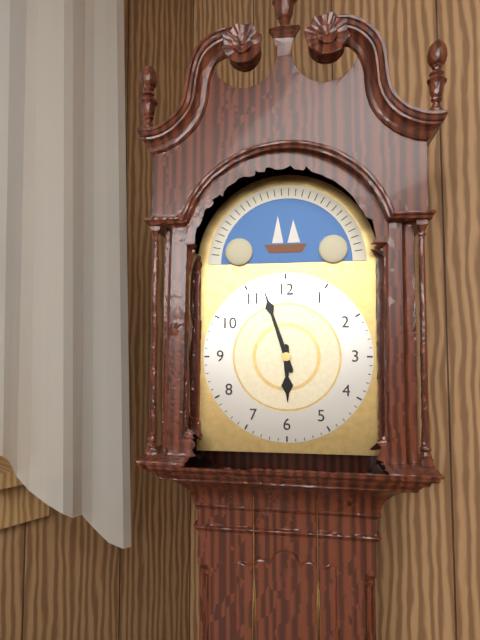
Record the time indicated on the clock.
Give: 5:57
